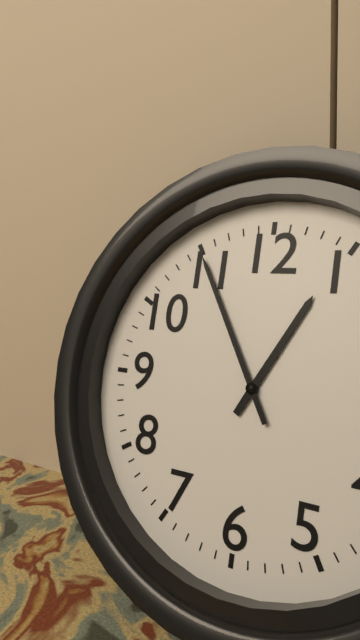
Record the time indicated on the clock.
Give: 12:55
